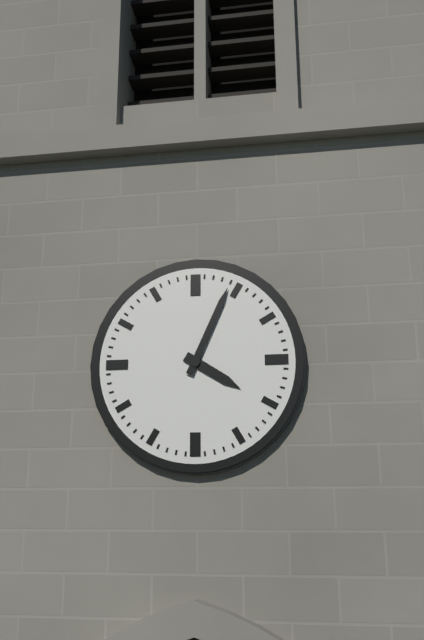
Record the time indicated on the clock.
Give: 4:04
